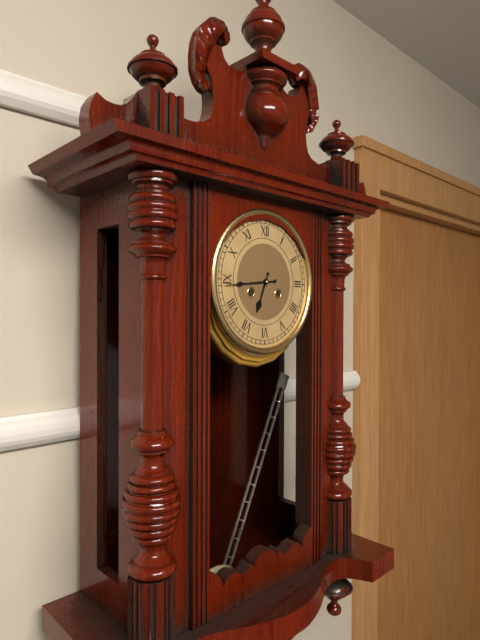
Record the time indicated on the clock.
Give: 6:44
